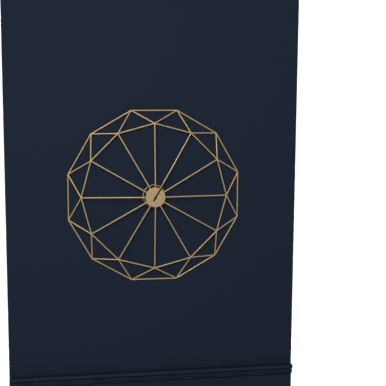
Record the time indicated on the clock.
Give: 1:05
